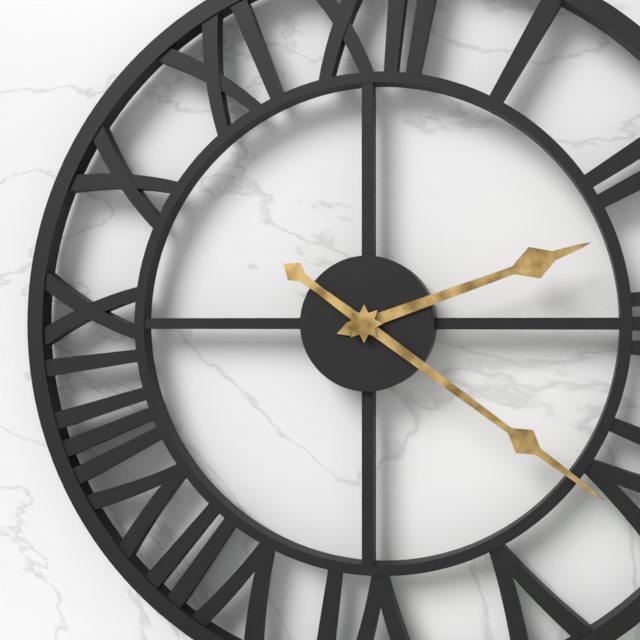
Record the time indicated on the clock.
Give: 2:21
